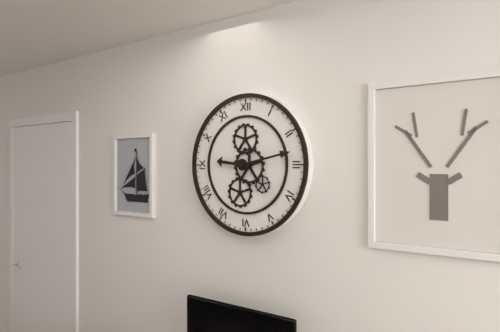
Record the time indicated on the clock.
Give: 9:13
